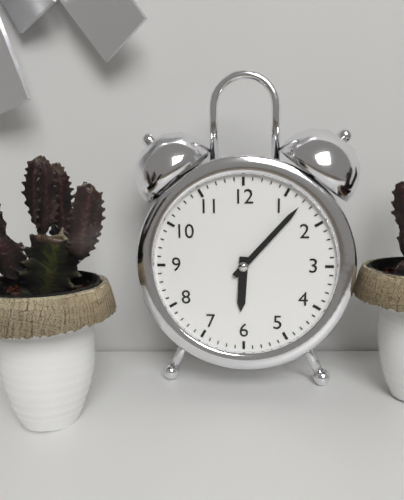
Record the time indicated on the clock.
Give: 6:07
